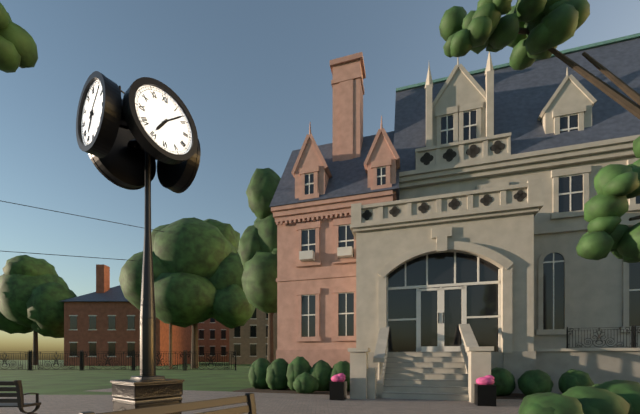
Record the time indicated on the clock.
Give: 7:08
